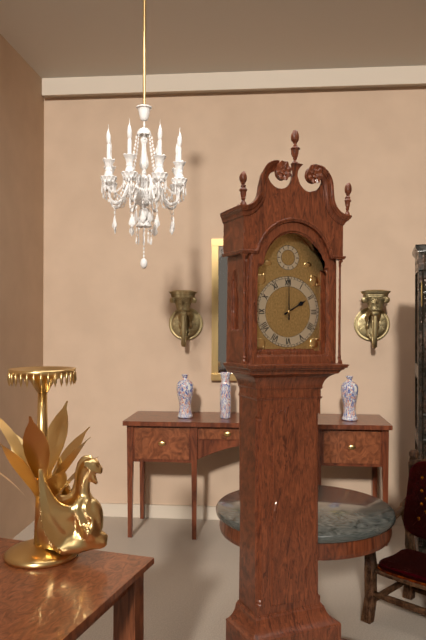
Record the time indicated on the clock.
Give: 2:00
